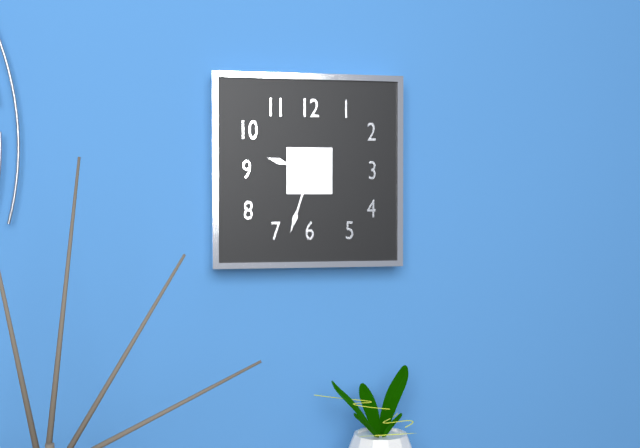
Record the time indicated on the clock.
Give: 9:33
